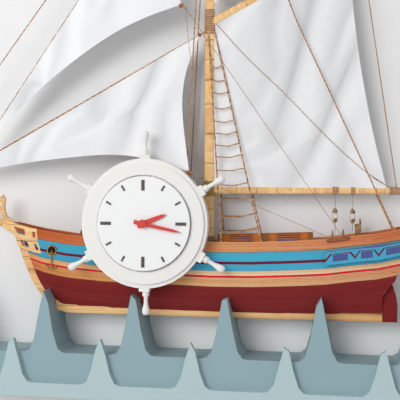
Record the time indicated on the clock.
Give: 2:17
